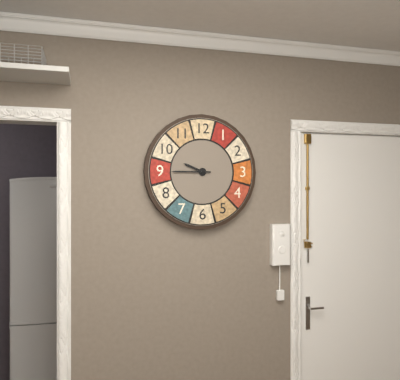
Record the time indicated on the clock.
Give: 9:45
